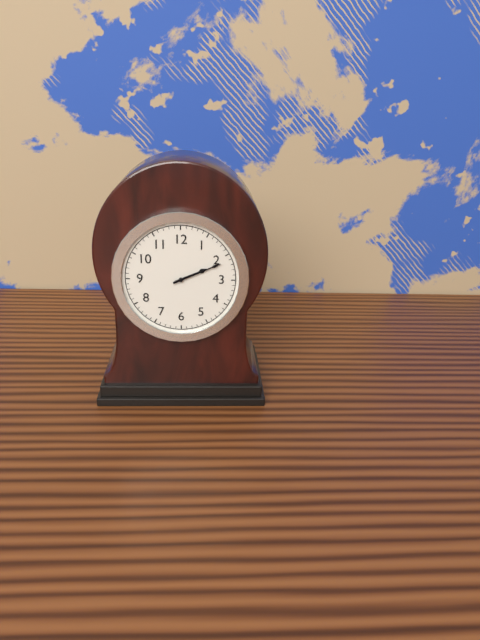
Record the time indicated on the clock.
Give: 2:11
